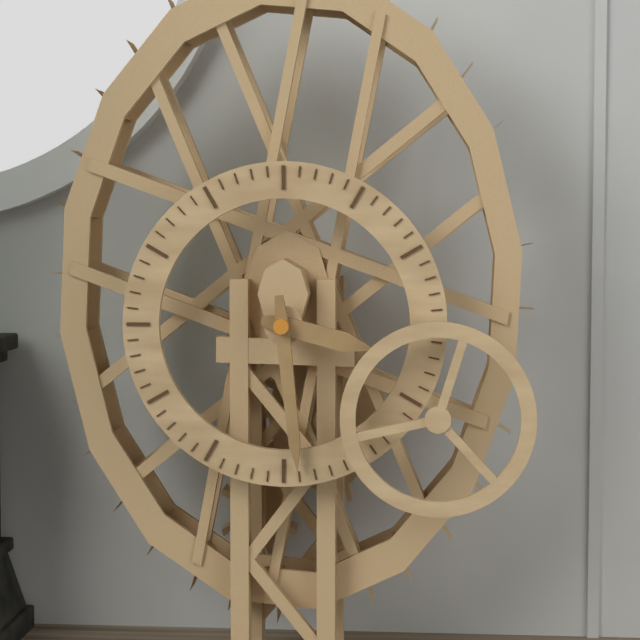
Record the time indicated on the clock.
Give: 3:29
